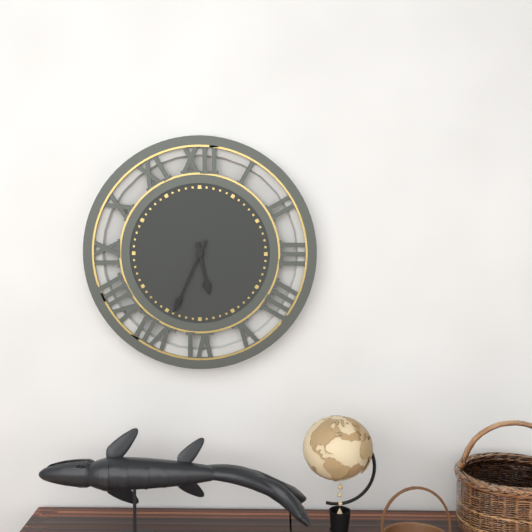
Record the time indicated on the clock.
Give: 5:34
